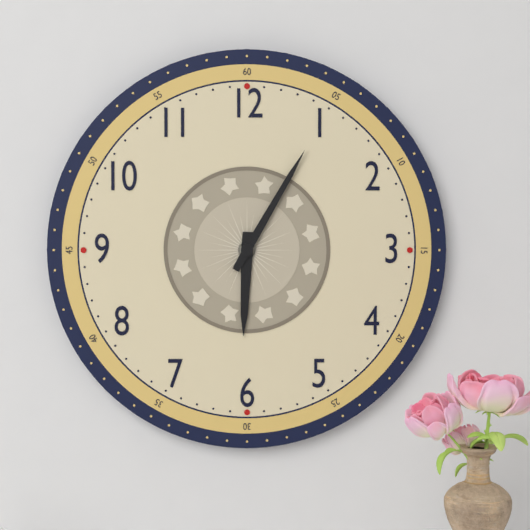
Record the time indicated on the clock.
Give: 6:05
